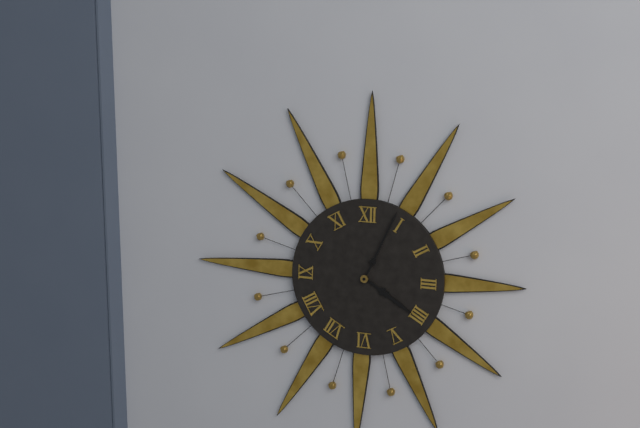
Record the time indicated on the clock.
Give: 4:04
